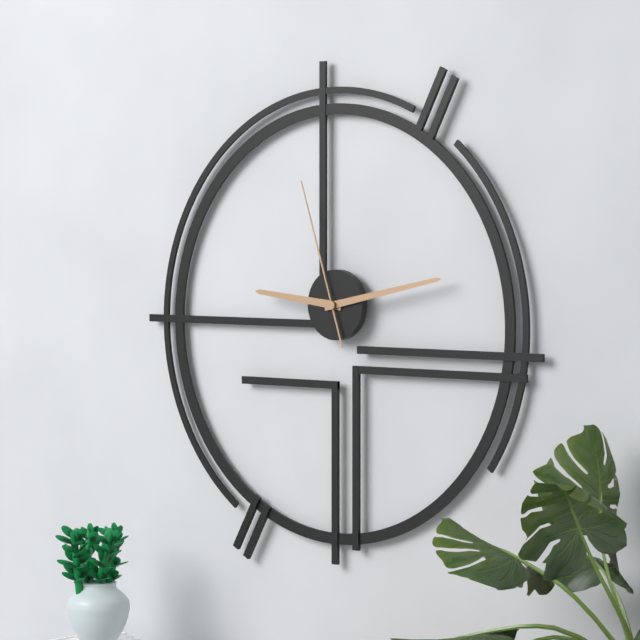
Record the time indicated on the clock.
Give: 9:13:57
